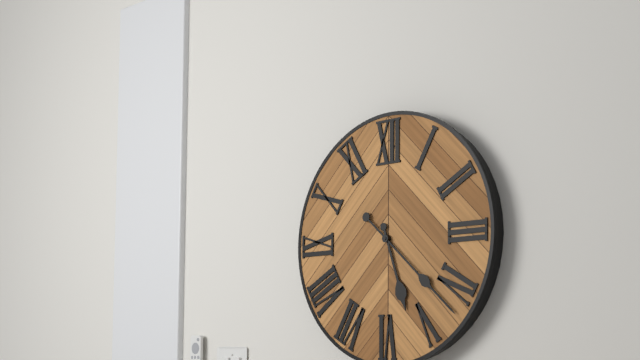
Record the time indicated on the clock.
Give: 5:22
